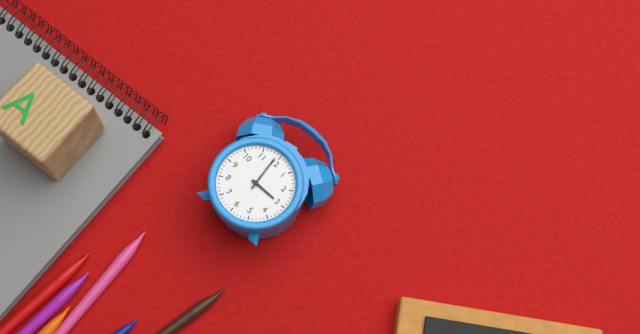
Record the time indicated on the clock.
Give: 2:59
